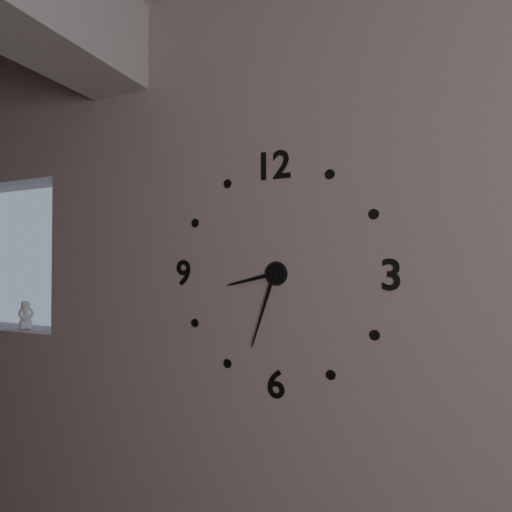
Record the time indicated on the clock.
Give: 8:33
